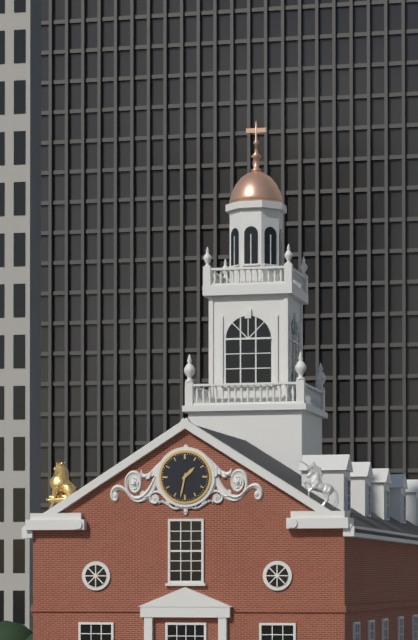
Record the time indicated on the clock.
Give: 1:32
